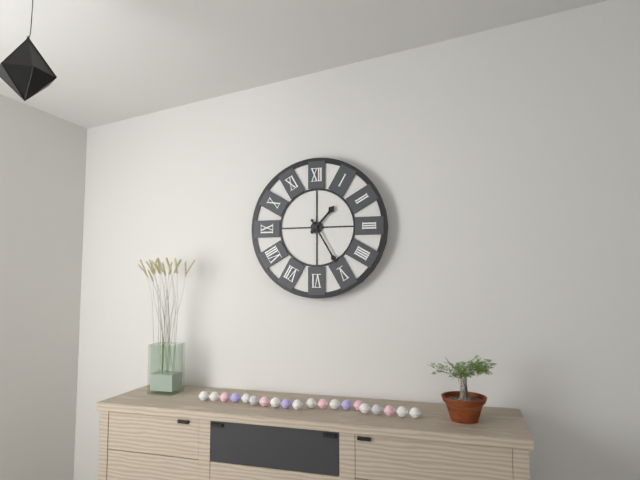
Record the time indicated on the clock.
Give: 1:25
